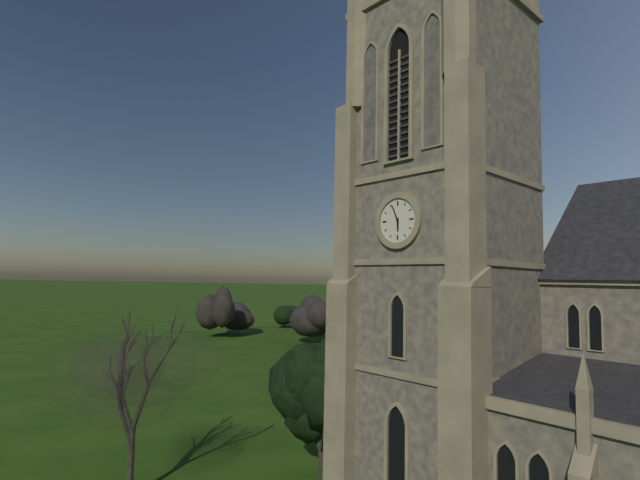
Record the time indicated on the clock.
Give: 5:56
